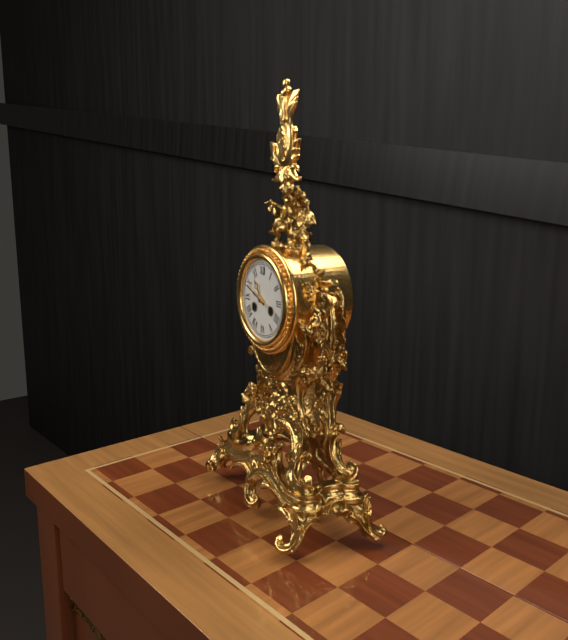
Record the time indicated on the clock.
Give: 10:49
